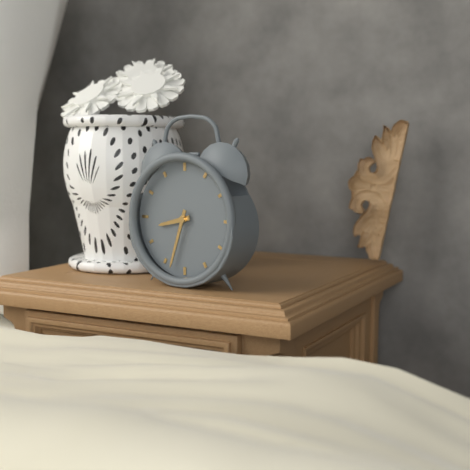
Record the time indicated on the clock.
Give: 8:33
